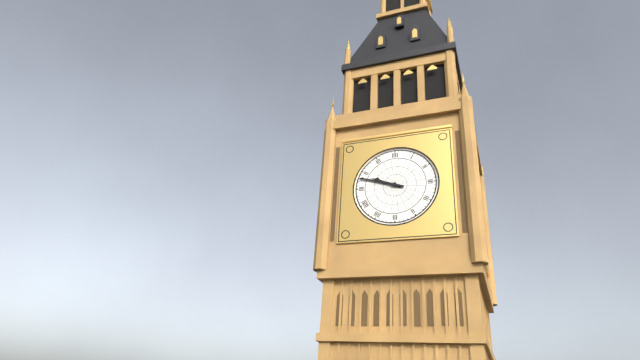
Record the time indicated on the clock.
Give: 9:48
